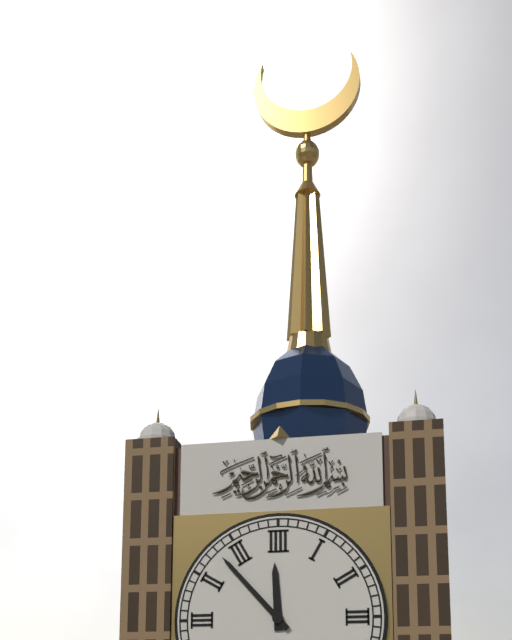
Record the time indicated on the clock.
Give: 11:53
